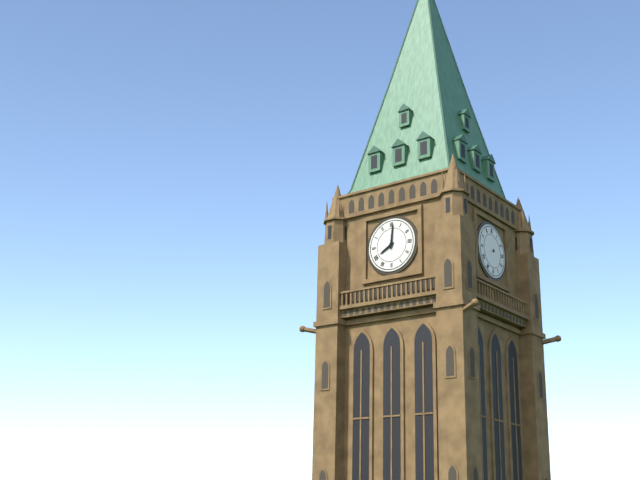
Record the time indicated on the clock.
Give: 8:01
